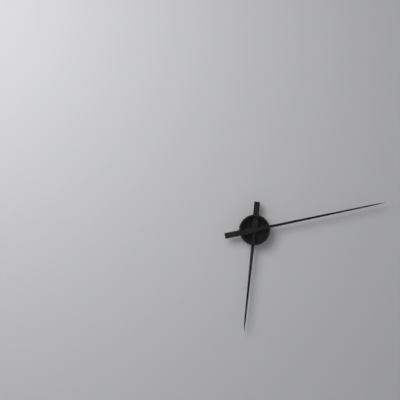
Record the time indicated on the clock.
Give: 6:13
